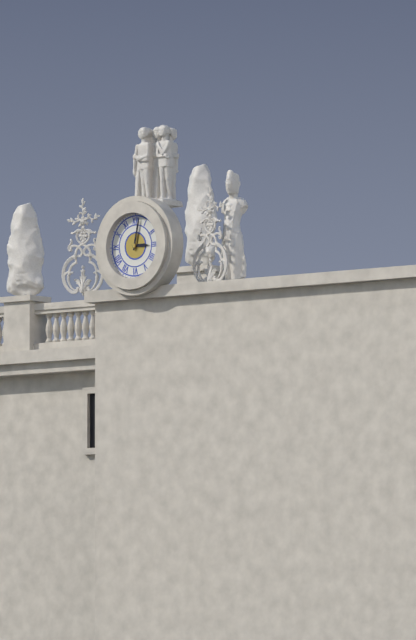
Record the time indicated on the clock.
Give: 3:02
